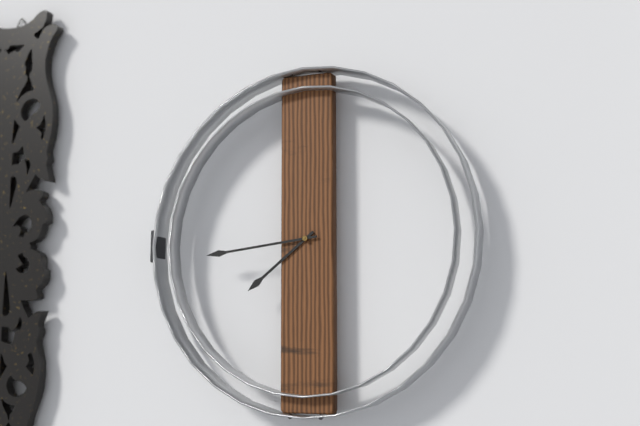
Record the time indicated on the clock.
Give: 7:44
